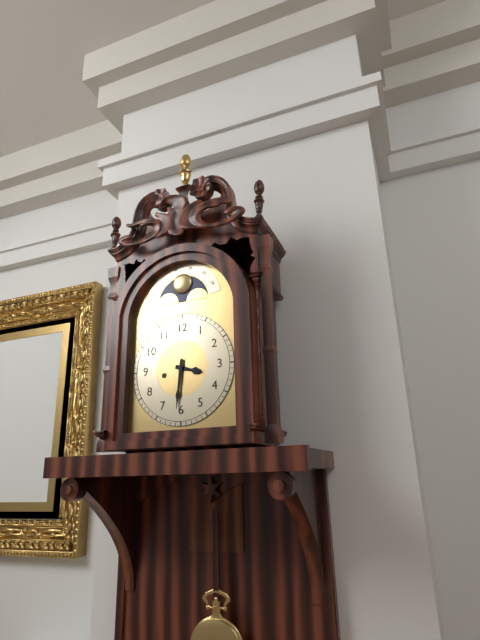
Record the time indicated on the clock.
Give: 3:31
